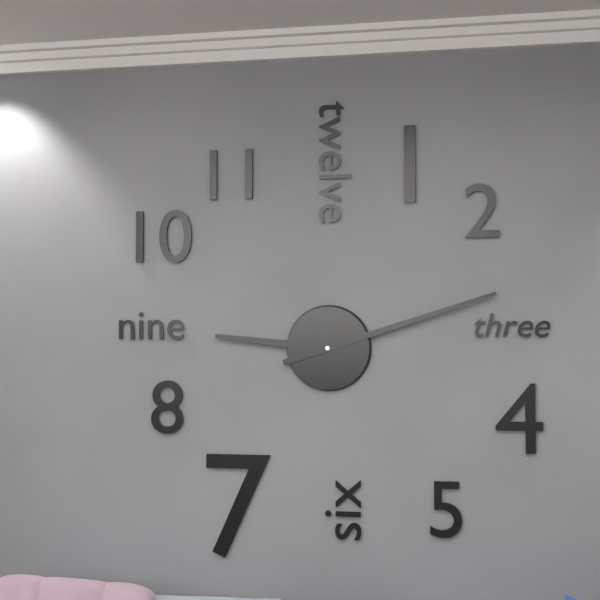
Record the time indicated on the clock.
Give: 9:12
